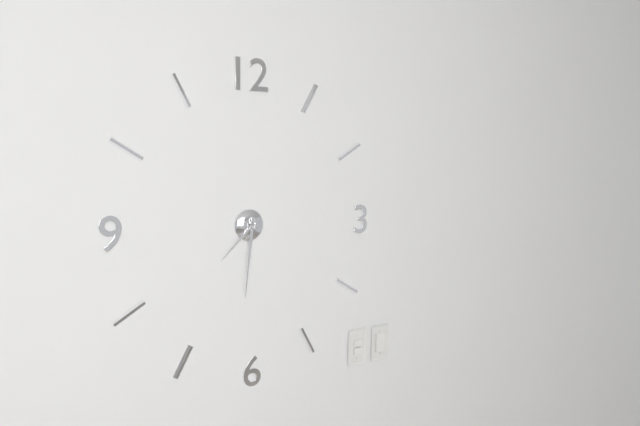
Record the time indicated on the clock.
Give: 7:31
